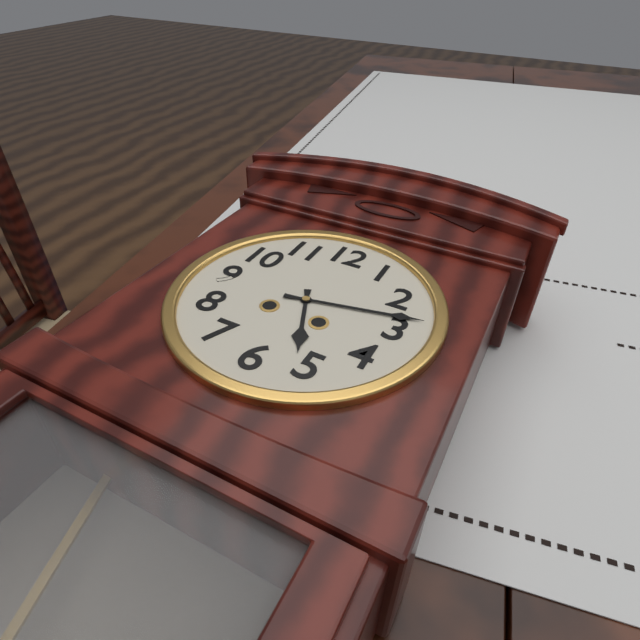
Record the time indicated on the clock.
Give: 5:13
